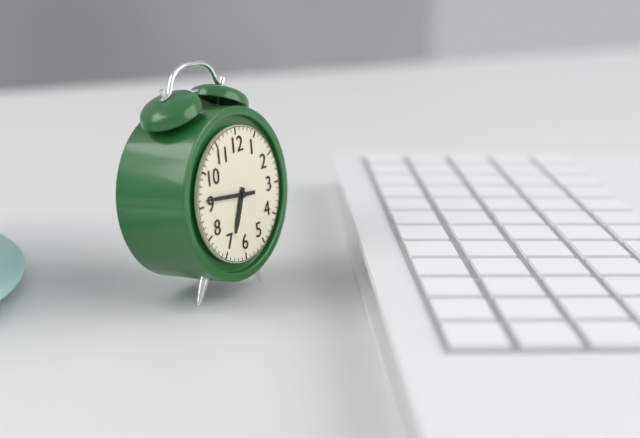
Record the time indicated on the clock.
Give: 6:46
